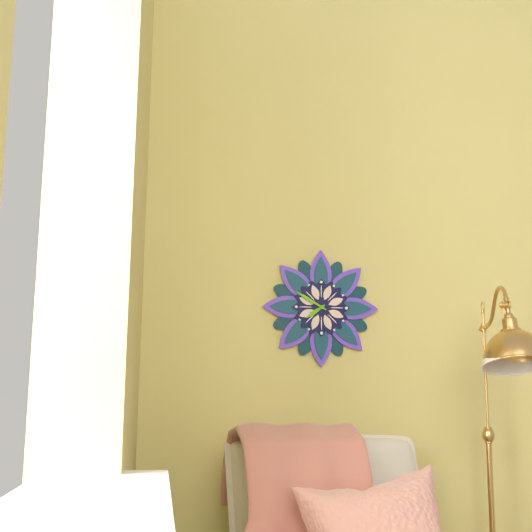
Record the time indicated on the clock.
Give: 7:50
